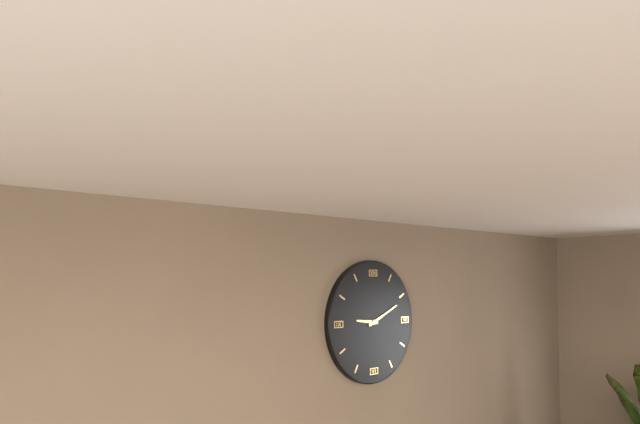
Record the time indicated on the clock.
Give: 9:11
